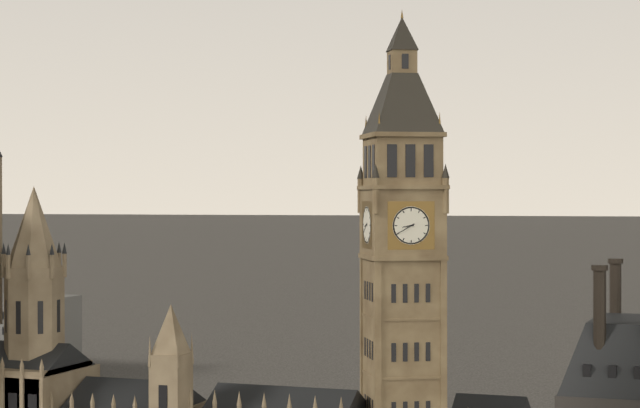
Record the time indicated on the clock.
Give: 8:40
